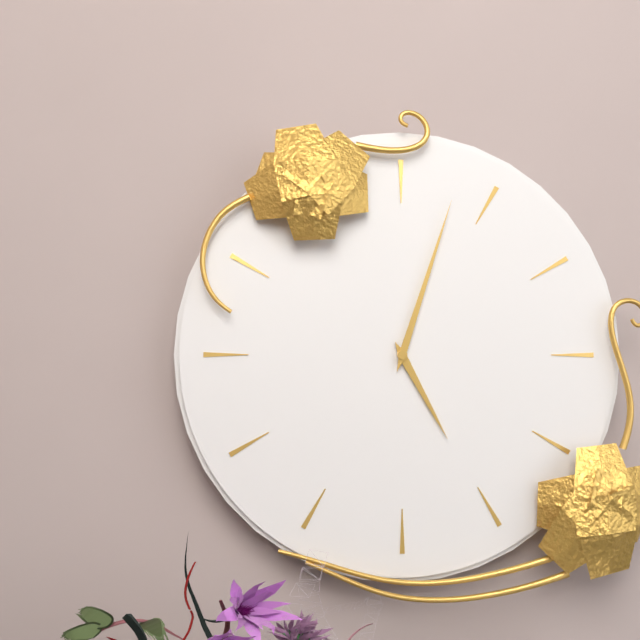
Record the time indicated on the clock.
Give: 5:03
